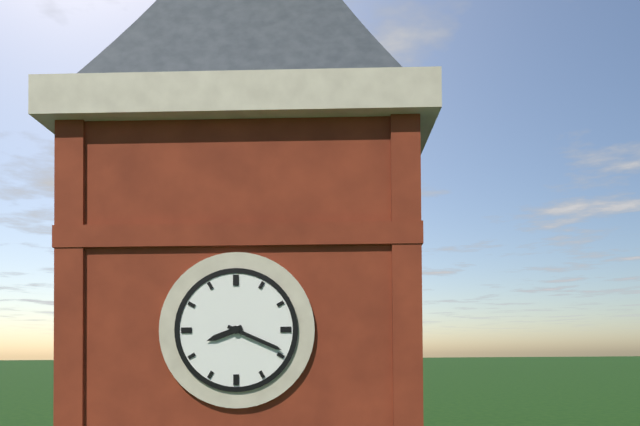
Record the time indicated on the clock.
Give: 8:19
